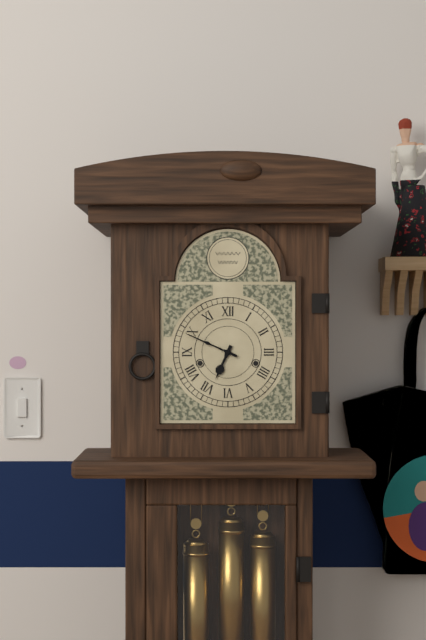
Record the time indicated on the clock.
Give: 6:49
